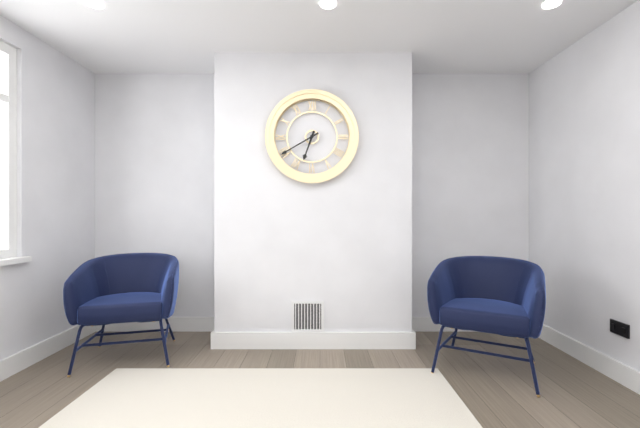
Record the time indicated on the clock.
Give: 6:40
